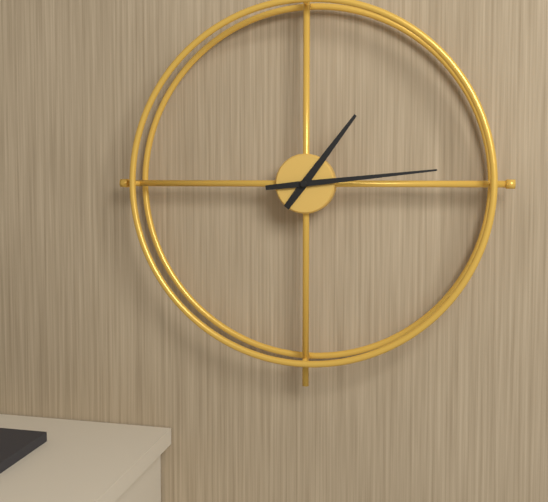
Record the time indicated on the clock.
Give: 1:14
